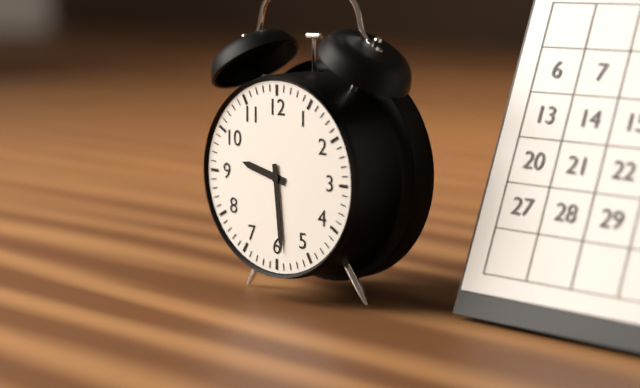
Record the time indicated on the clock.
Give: 9:29
